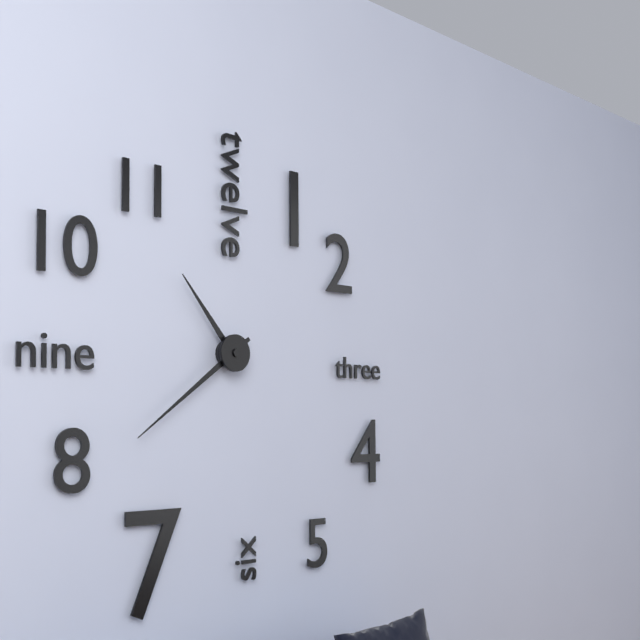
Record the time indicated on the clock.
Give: 10:39
